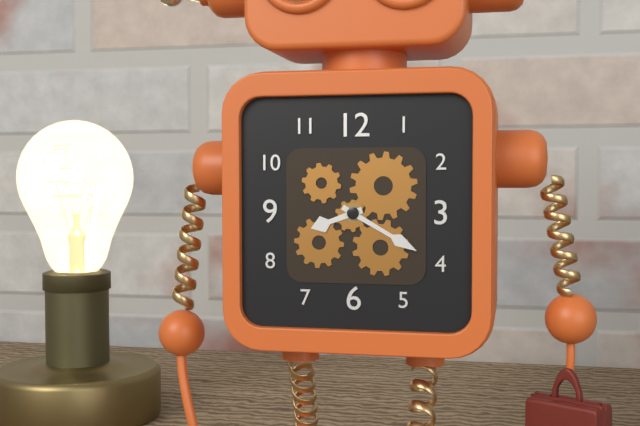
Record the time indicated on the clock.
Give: 8:20
